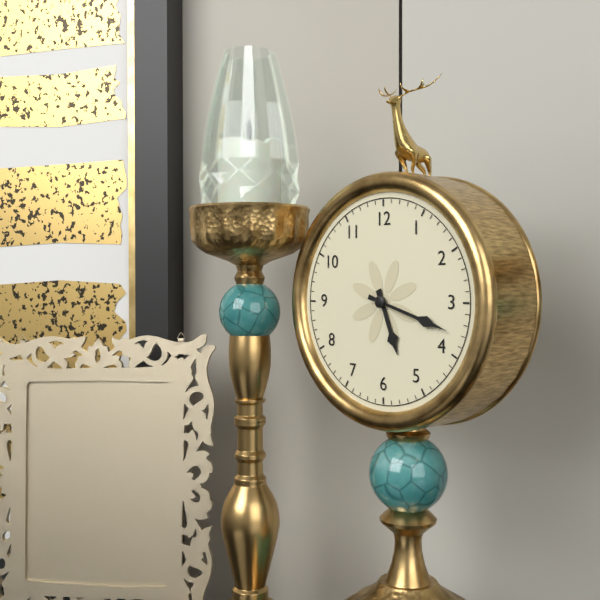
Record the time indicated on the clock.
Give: 5:18
